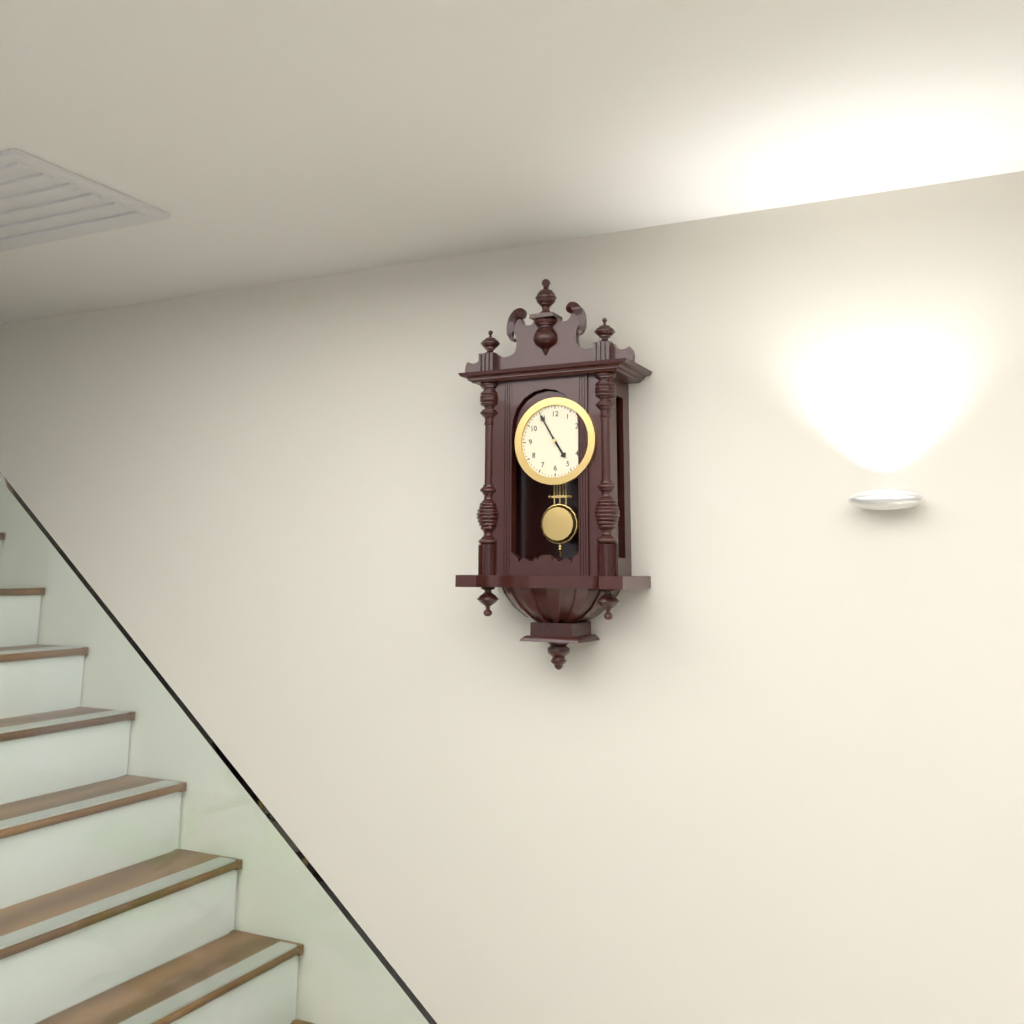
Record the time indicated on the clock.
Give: 4:55
